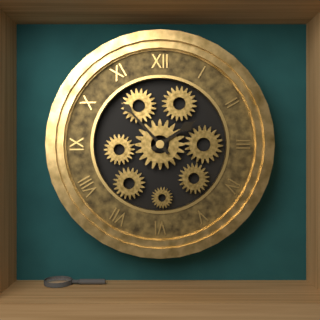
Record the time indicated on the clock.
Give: 1:53
